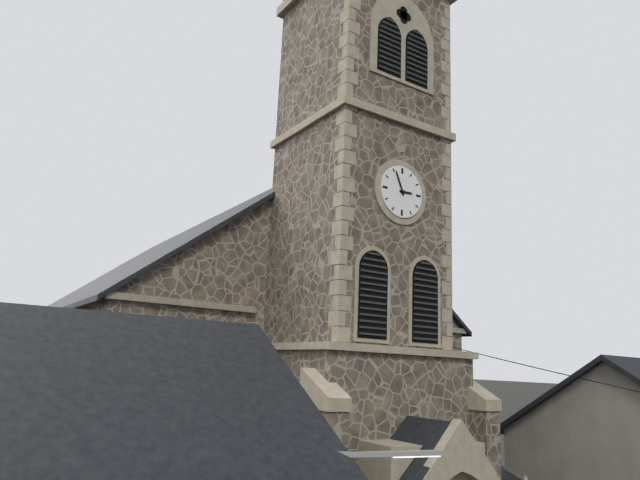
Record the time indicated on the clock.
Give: 2:56
